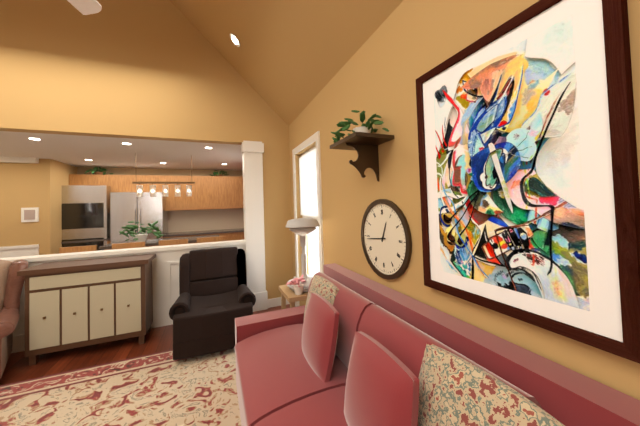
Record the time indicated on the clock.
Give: 12:44
